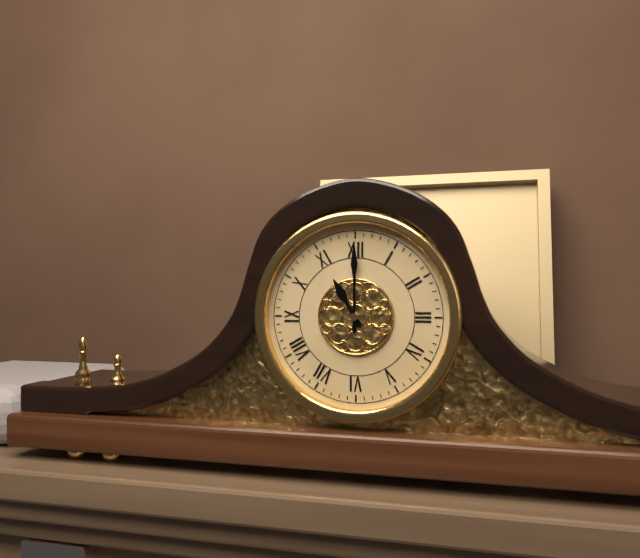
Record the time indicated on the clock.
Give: 11:00
